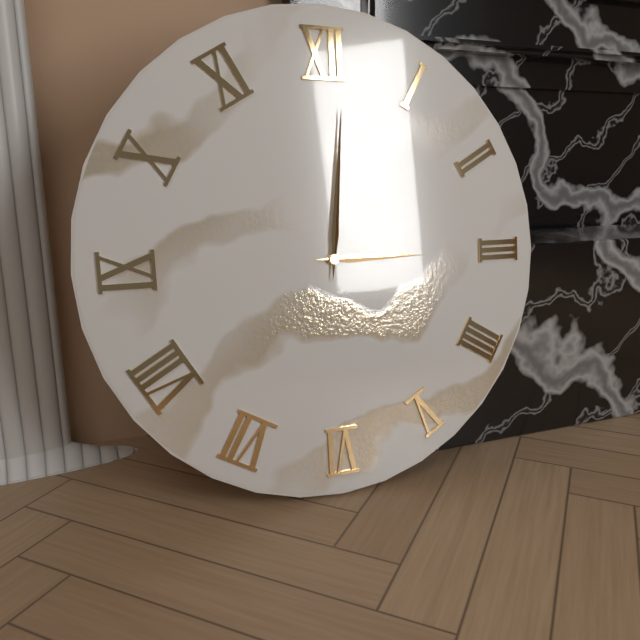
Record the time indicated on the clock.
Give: 3:01
